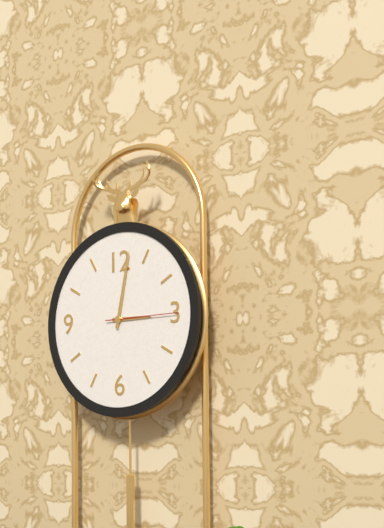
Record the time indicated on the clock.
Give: 3:02:15
